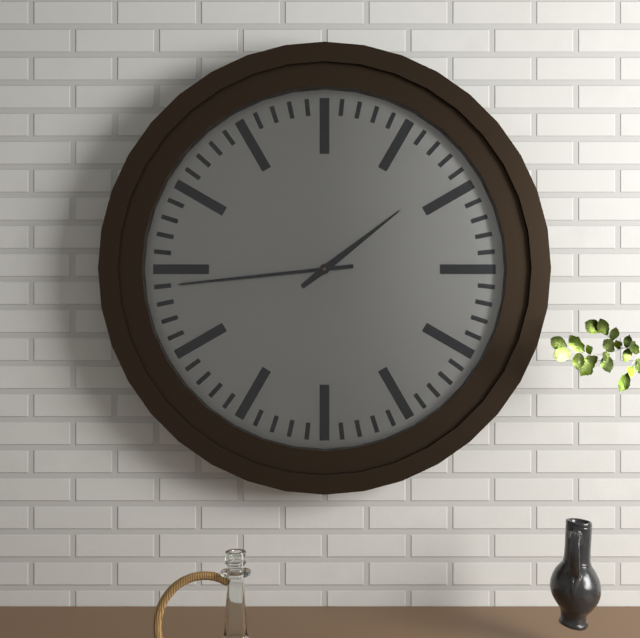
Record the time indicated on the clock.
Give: 1:44
